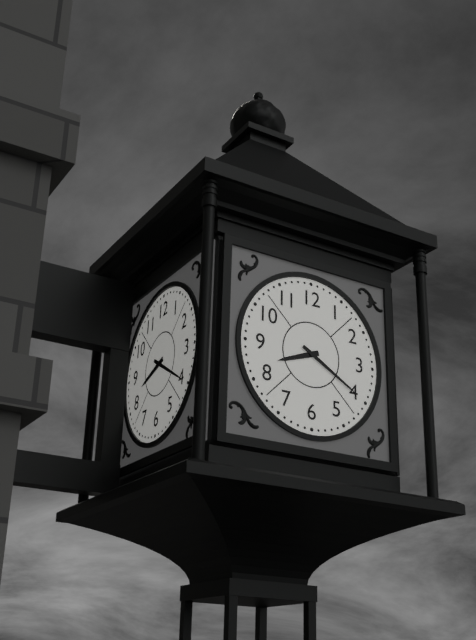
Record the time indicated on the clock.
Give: 8:20
